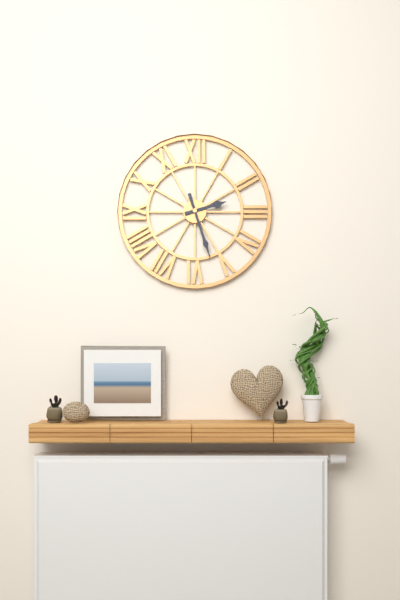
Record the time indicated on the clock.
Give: 2:27
